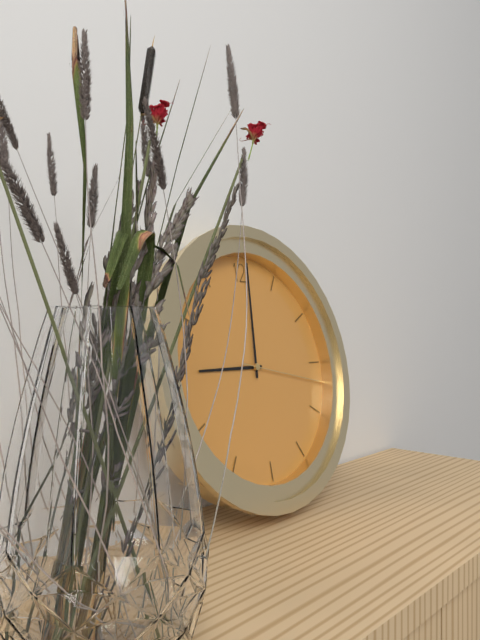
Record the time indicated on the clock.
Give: 9:01:17
